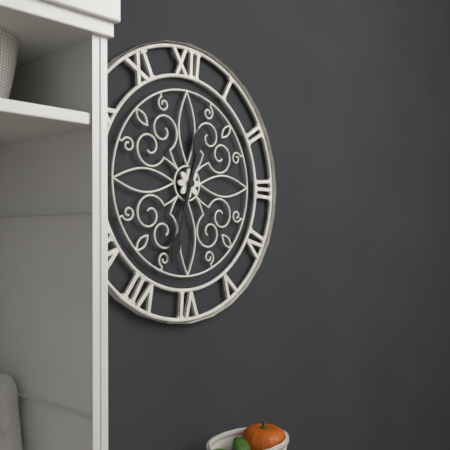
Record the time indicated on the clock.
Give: 12:33
